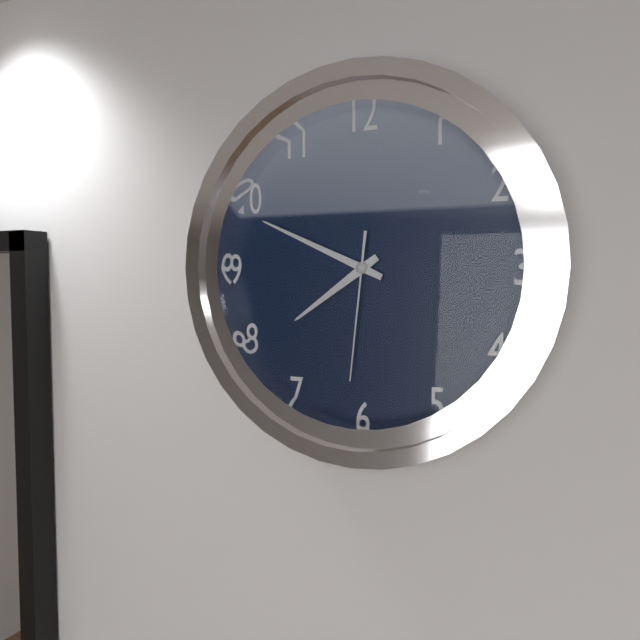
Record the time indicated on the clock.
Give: 7:49:31
